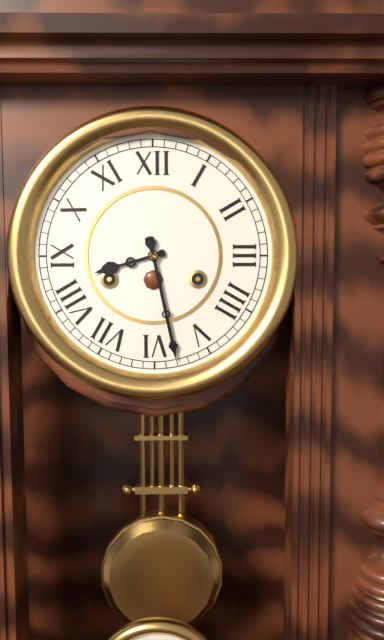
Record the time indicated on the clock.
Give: 8:28
